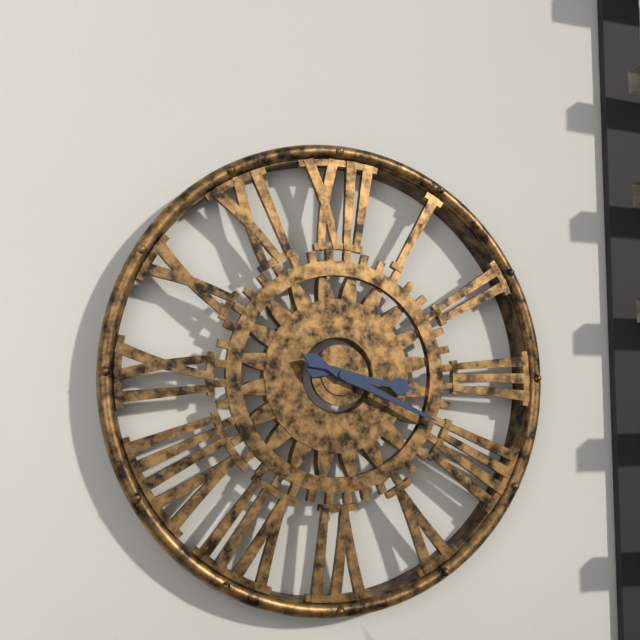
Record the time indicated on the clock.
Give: 3:19
